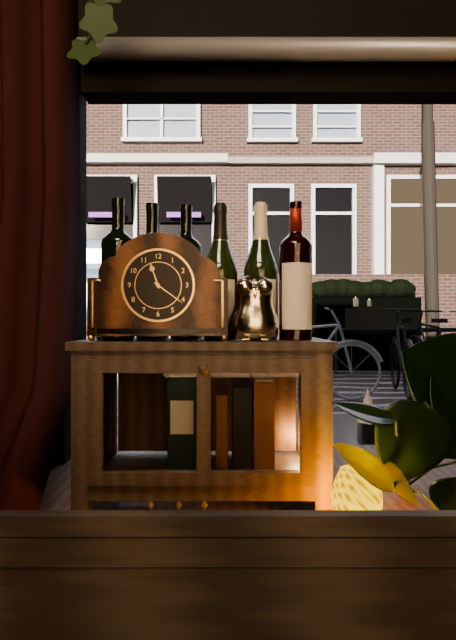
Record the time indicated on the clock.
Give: 11:21
